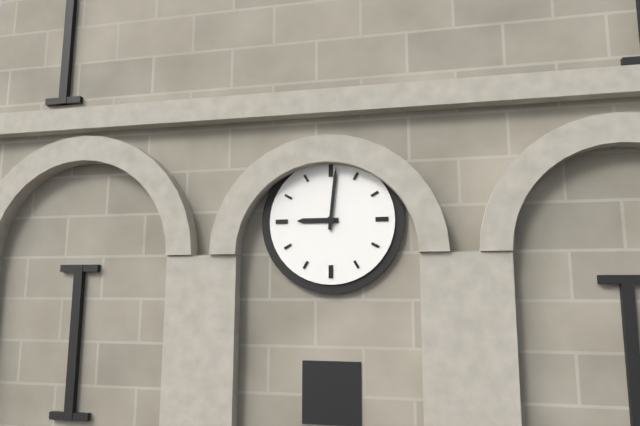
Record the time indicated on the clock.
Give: 9:01
